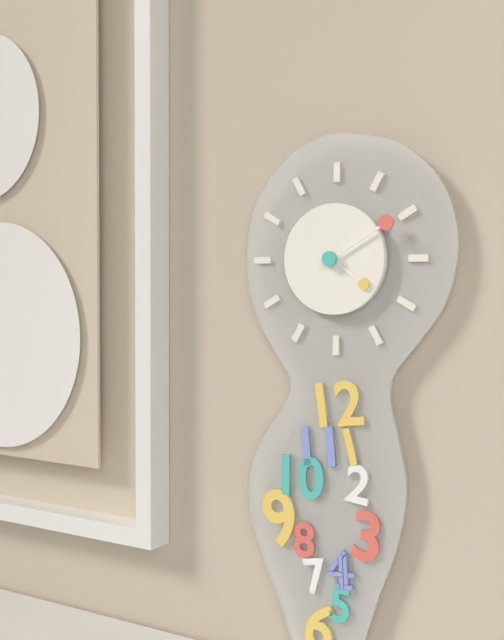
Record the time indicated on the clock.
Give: 4:10
